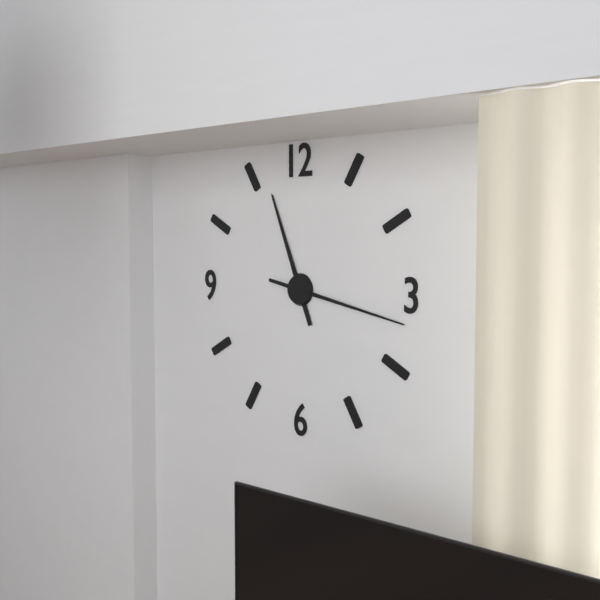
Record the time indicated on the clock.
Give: 11:17
